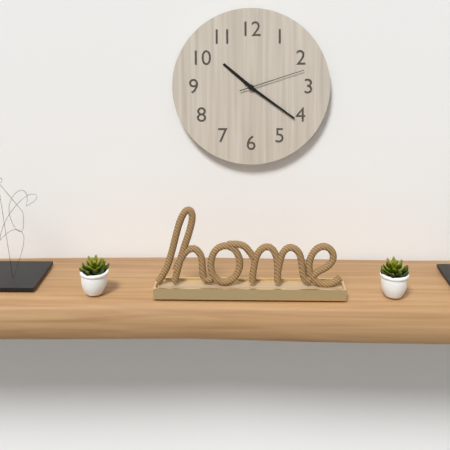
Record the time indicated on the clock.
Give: 10:21:12
